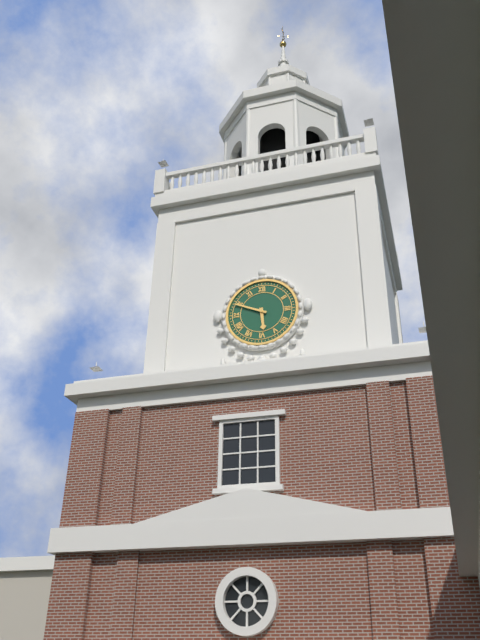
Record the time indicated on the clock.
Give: 5:49
